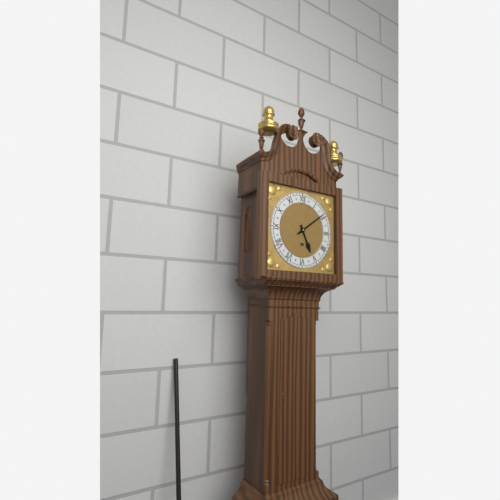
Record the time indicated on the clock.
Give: 5:09
